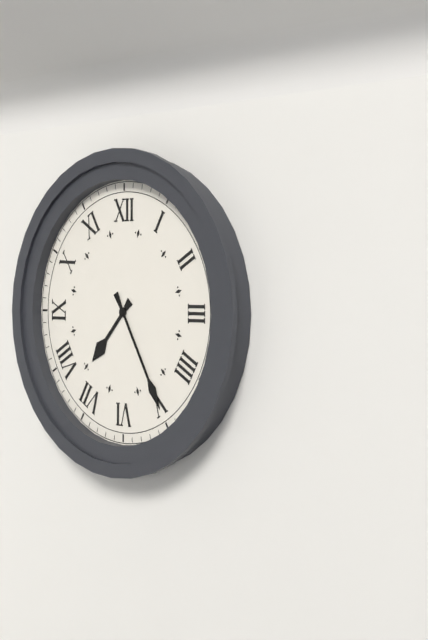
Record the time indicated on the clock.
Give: 7:25
